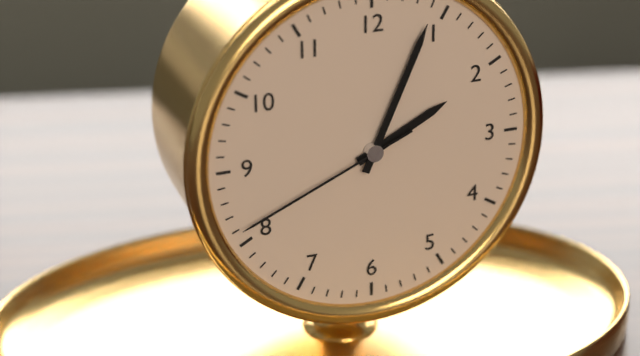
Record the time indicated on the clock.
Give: 2:04:41
